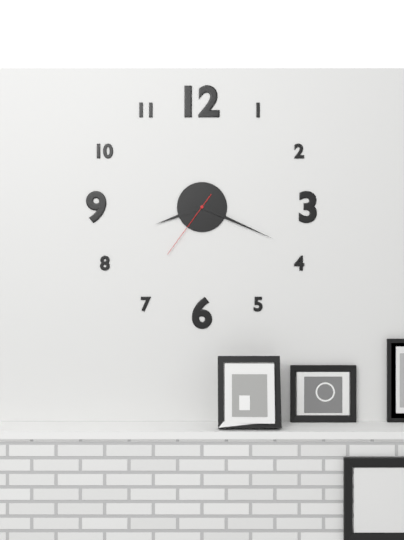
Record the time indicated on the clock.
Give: 8:19:36
